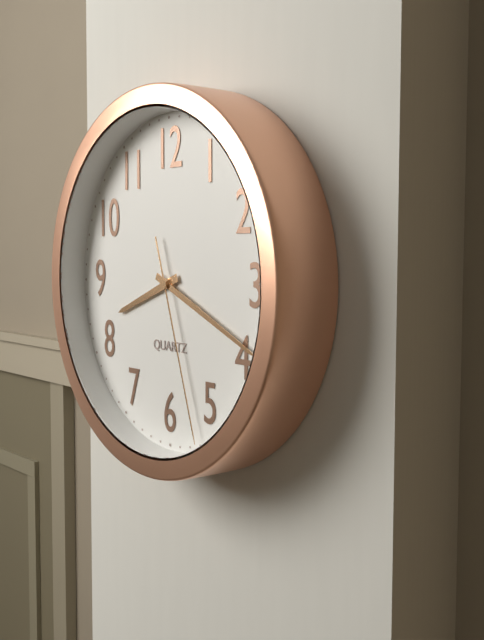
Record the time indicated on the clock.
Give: 8:19:27
